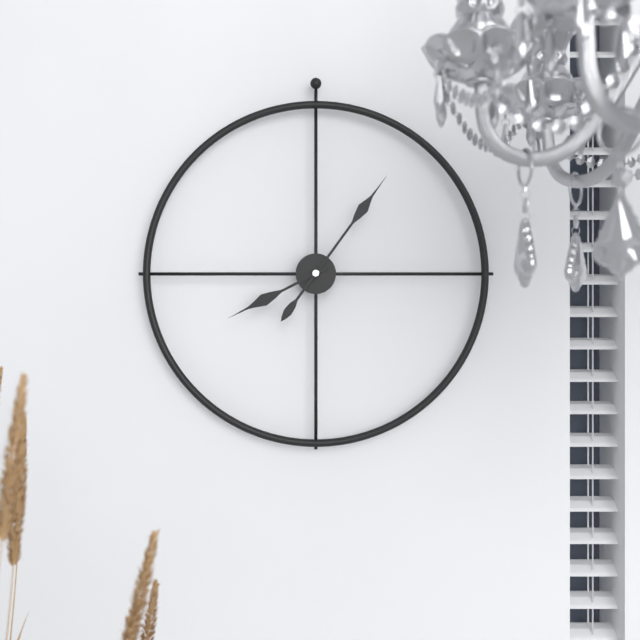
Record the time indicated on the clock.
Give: 8:06
